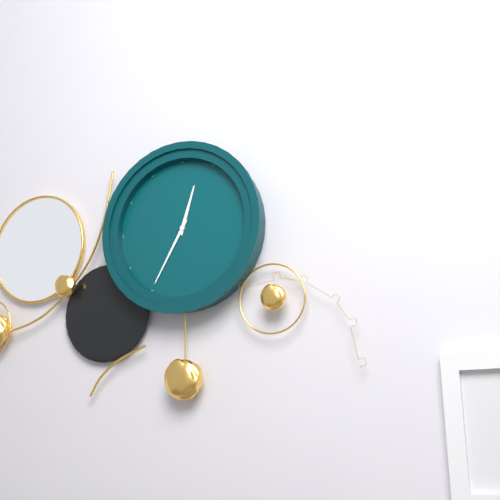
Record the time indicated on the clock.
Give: 12:35
